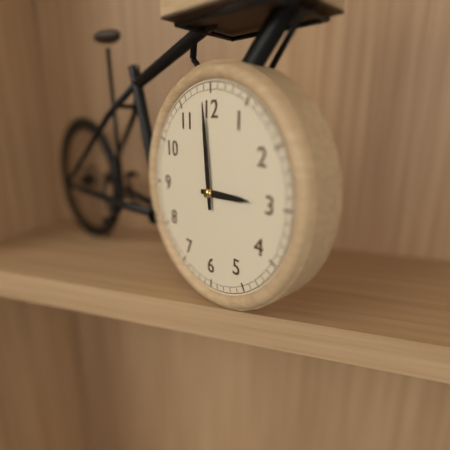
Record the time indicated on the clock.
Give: 2:59
